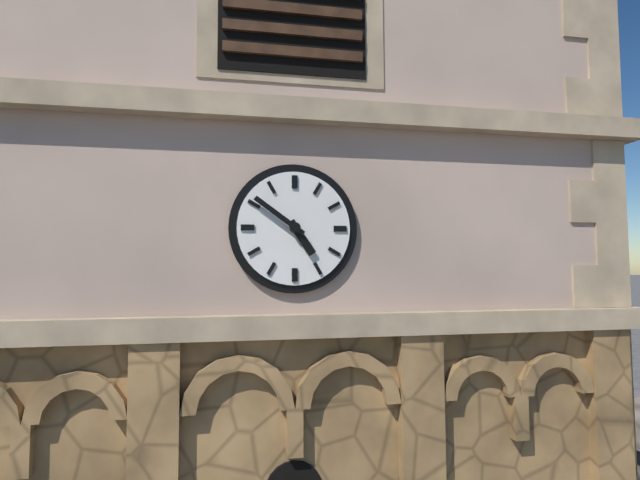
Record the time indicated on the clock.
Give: 4:51
